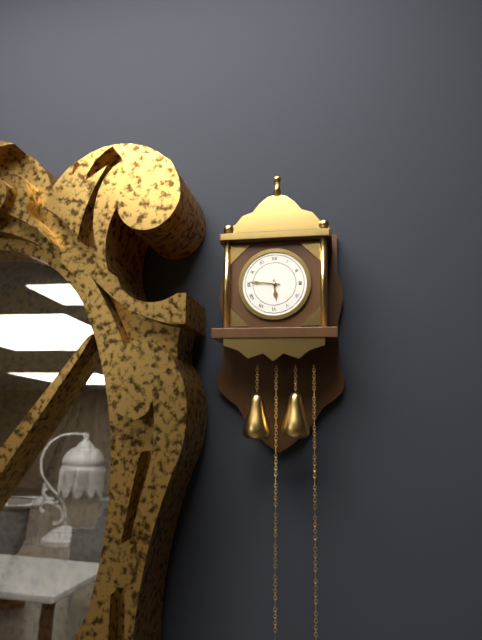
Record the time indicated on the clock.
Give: 5:46
